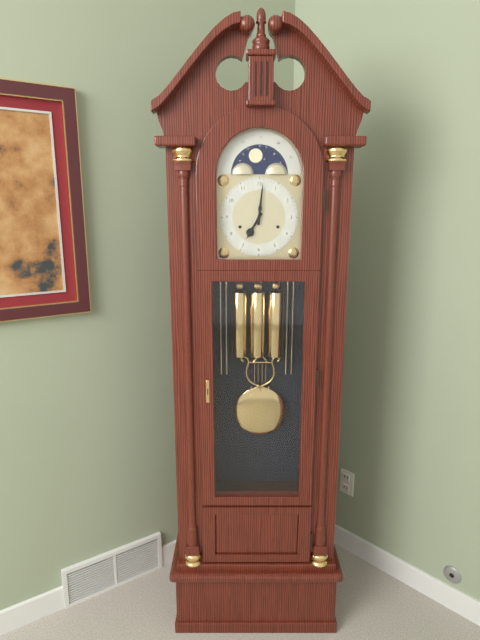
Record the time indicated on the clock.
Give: 7:01
